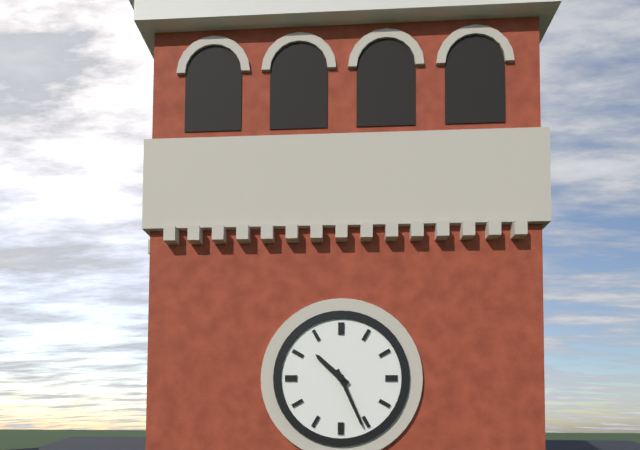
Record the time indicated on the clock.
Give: 10:26
